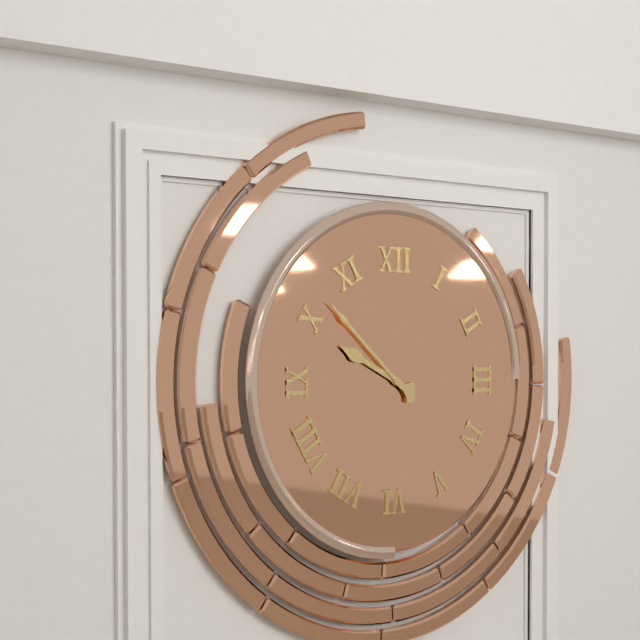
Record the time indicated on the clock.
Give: 9:52
